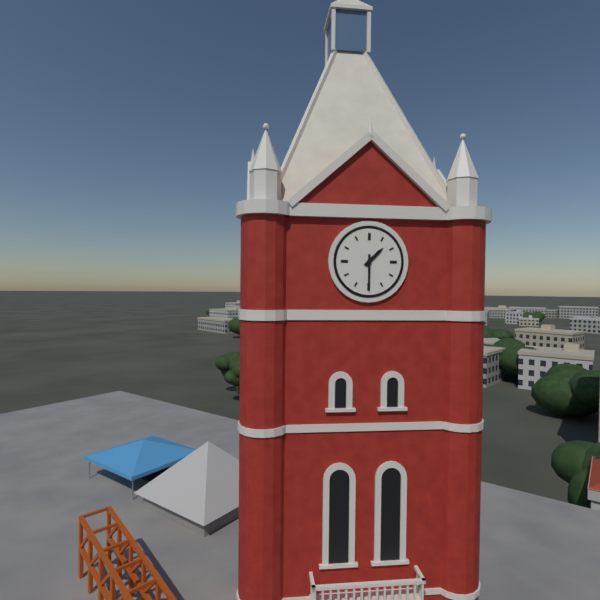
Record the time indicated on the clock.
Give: 1:30
